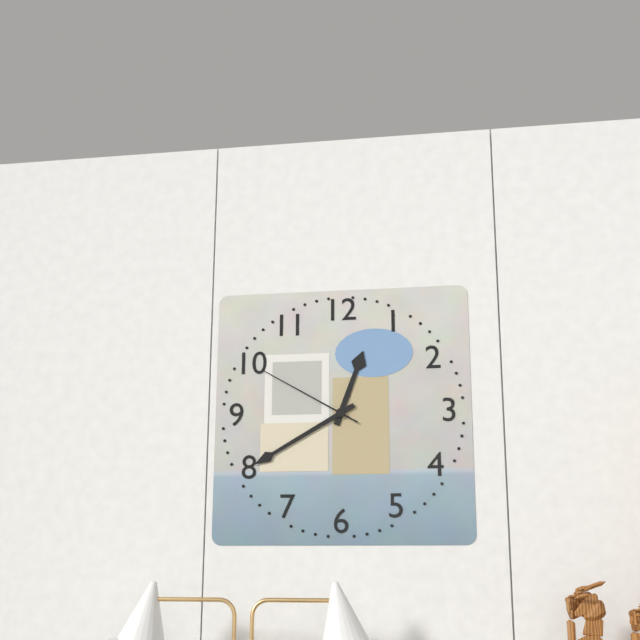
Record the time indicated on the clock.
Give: 12:40:50
